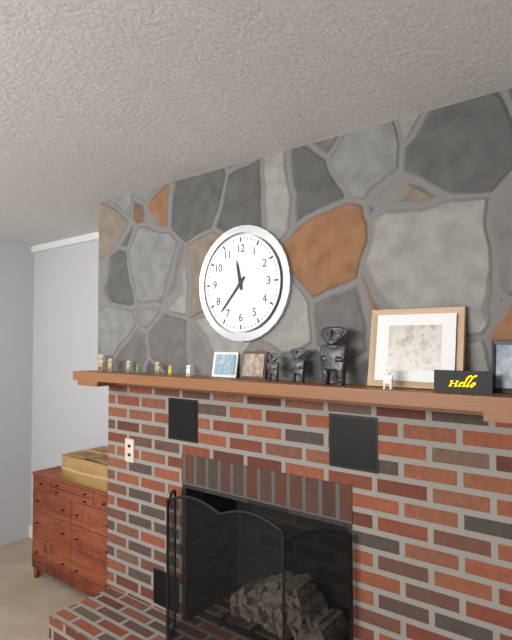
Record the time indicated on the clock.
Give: 11:37
